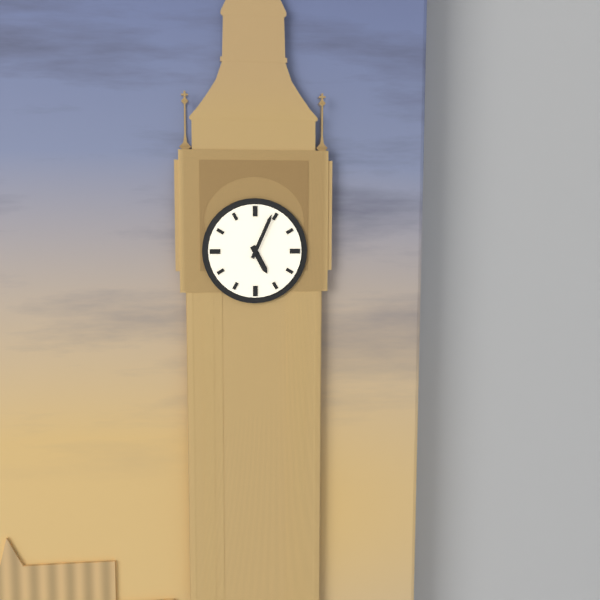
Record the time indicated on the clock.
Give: 5:04
